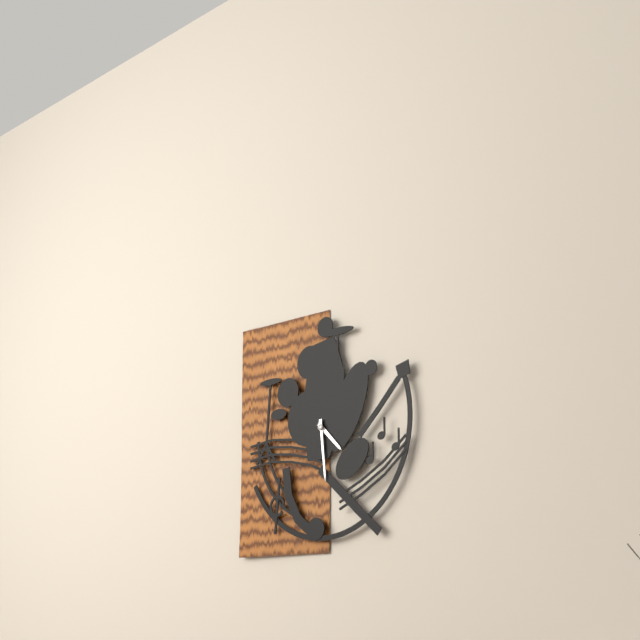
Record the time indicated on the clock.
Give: 4:29
